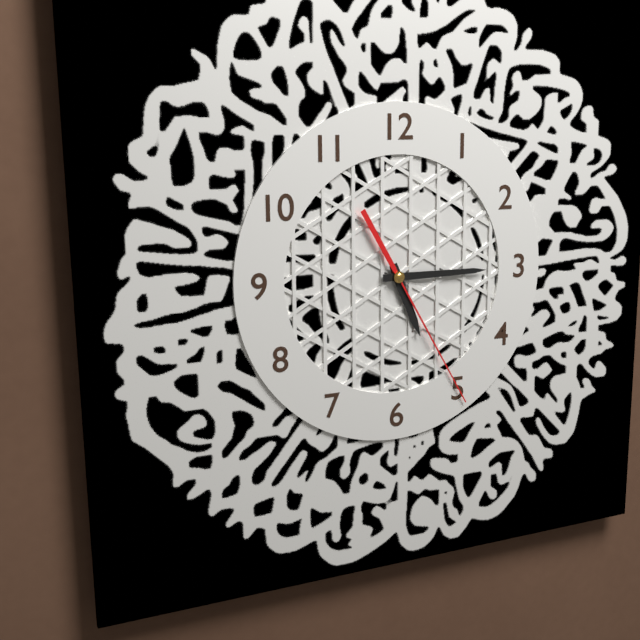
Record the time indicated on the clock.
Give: 5:15:25
